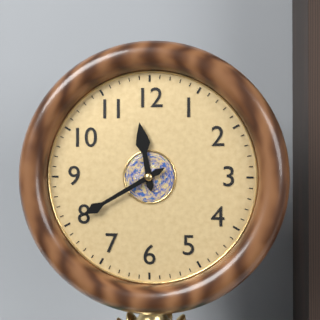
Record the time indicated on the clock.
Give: 11:40
